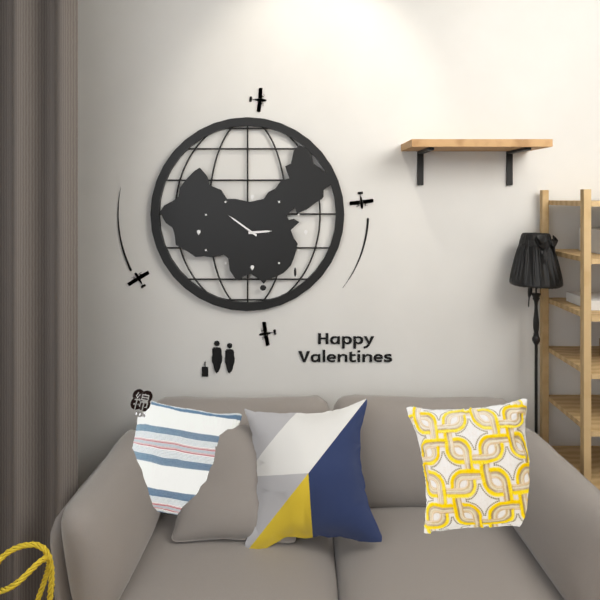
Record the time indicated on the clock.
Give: 2:51
